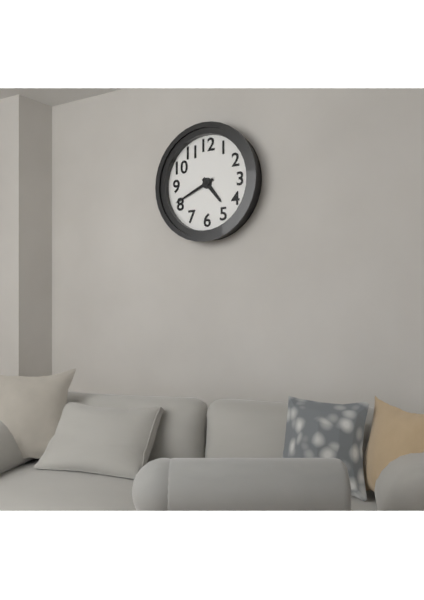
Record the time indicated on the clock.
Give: 4:41
